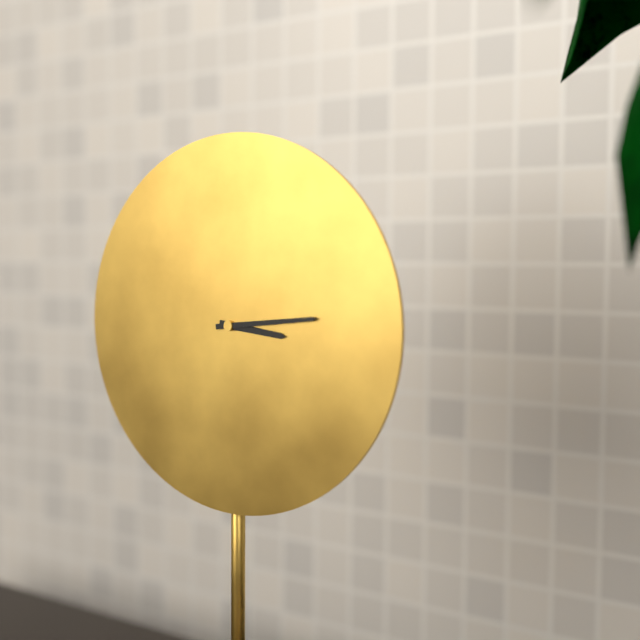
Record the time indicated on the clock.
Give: 3:14
